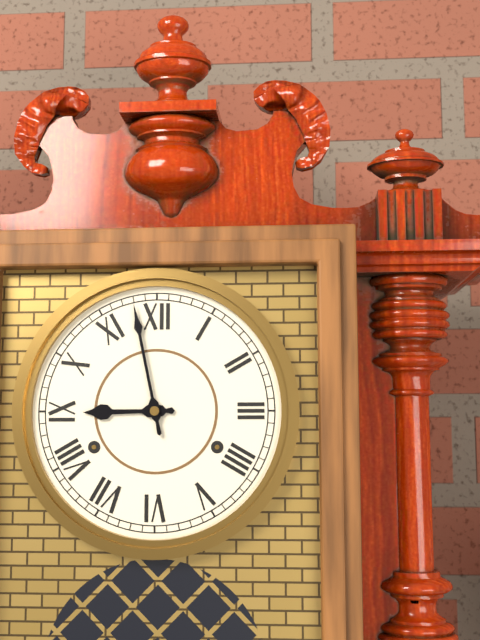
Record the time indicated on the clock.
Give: 8:58
